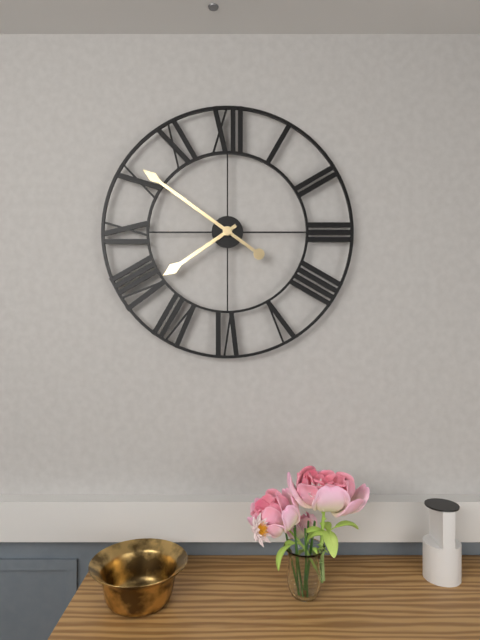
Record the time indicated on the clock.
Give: 7:51
